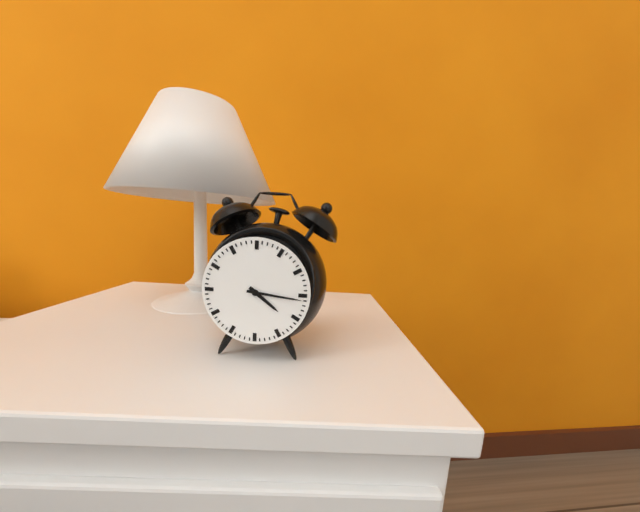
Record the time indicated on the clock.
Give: 4:16
